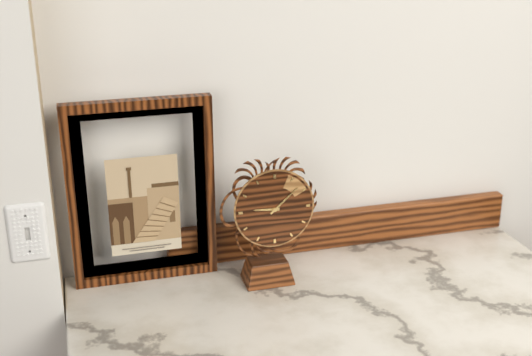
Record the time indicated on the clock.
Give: 9:08
